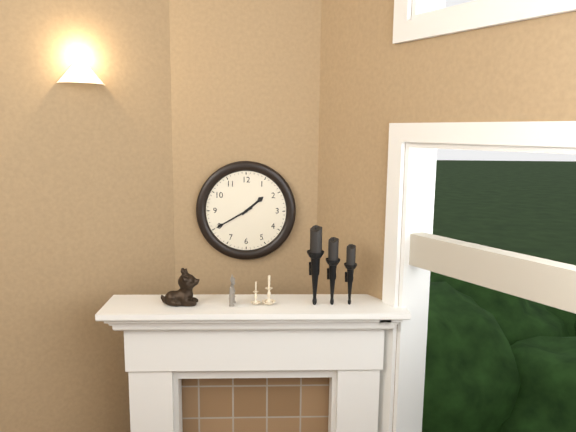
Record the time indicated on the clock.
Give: 1:40
